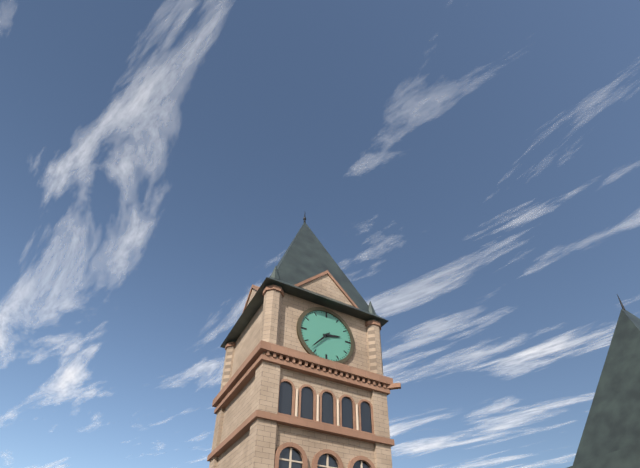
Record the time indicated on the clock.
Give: 2:37
